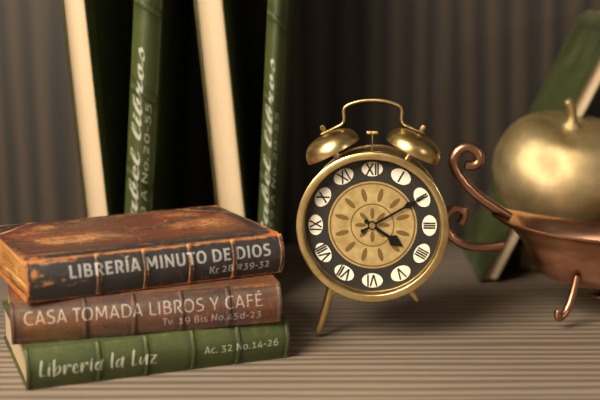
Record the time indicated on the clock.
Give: 4:10
